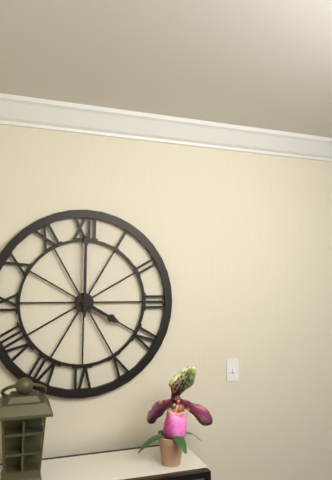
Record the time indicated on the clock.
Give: 4:00
